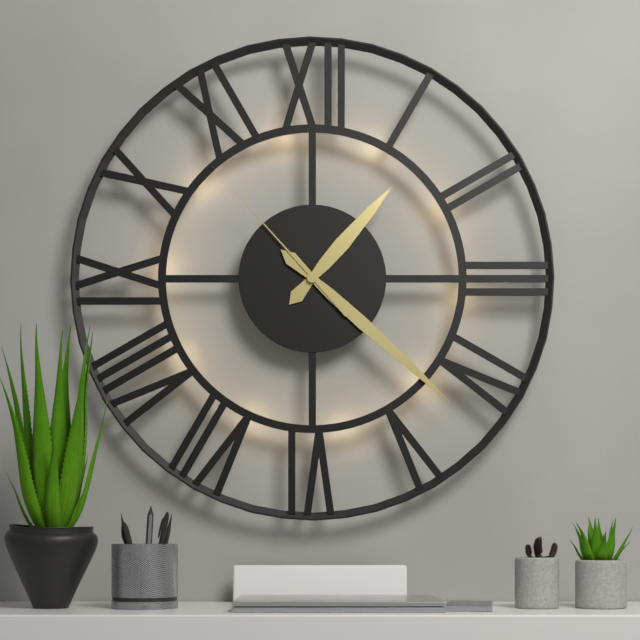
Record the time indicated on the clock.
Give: 1:22:53
